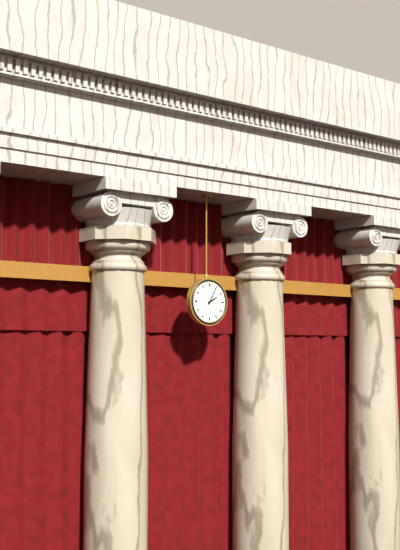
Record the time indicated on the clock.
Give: 2:05
